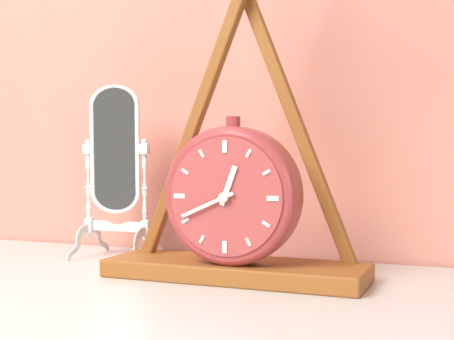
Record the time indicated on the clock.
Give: 12:41
